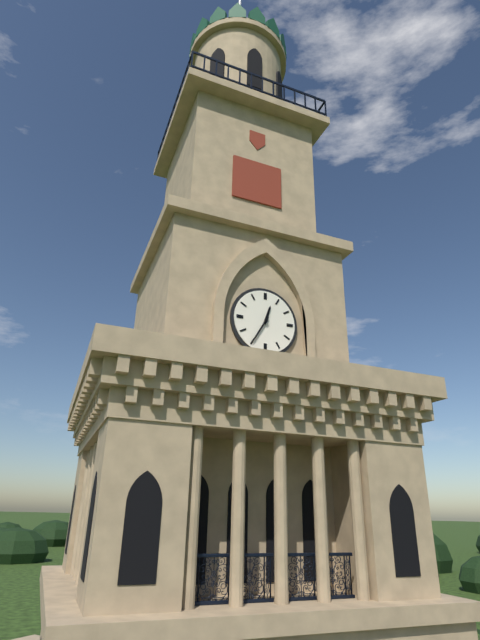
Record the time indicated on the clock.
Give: 12:35
